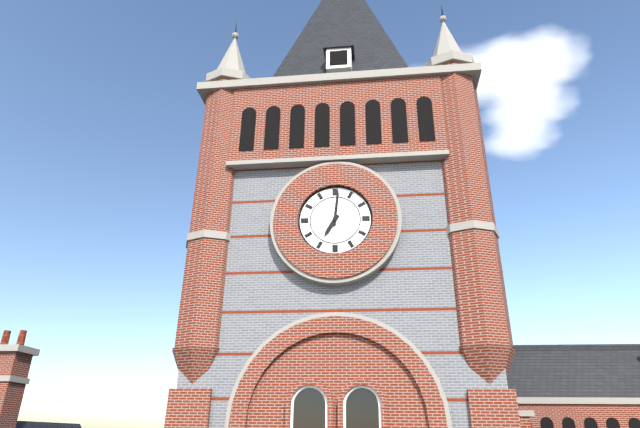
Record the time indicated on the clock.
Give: 7:01
